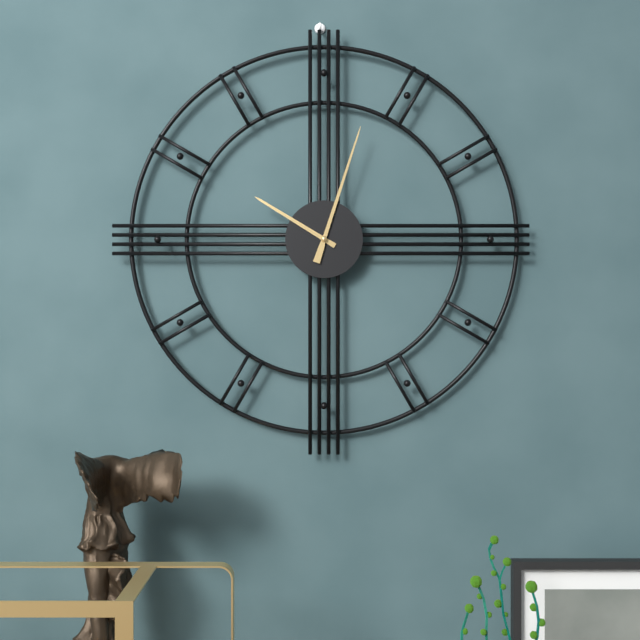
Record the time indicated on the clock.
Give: 10:03
